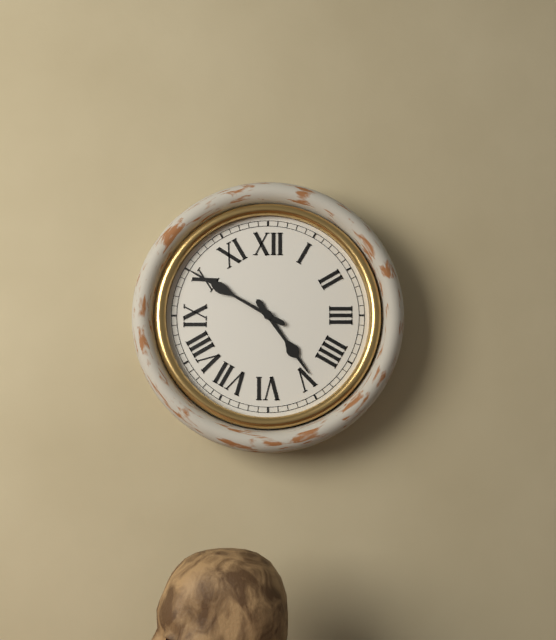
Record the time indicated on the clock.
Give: 4:50
